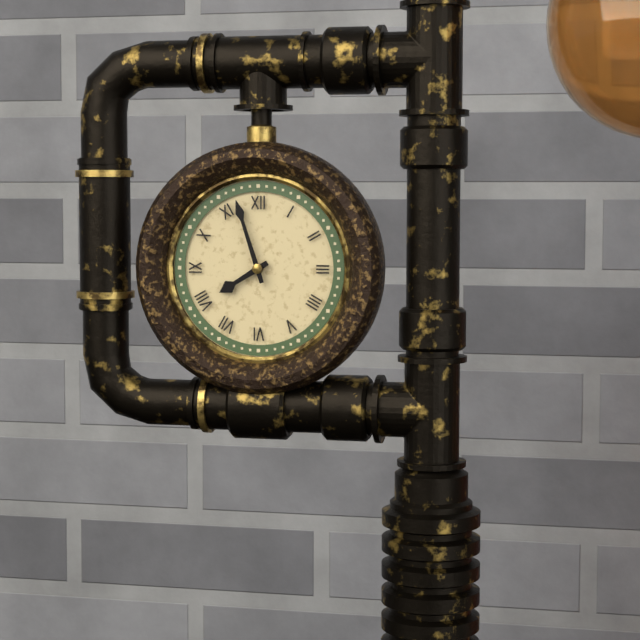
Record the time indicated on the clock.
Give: 7:57
